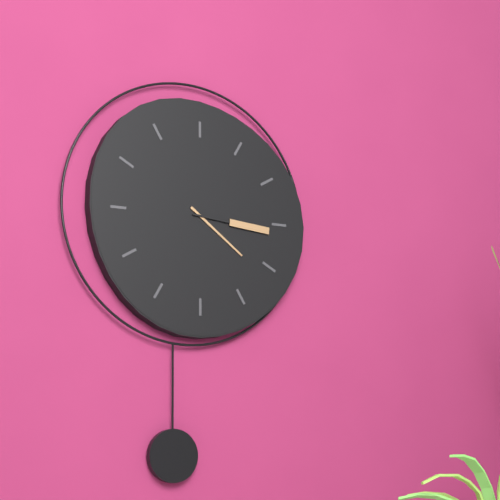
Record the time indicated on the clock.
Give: 4:16
